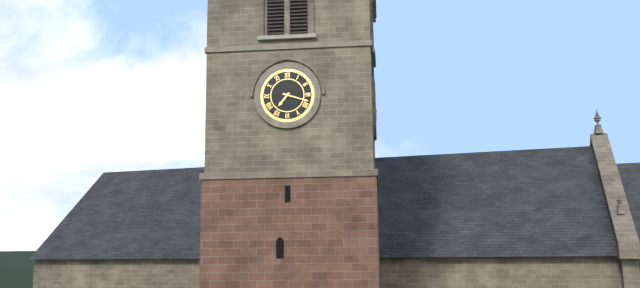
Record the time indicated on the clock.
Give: 7:18
